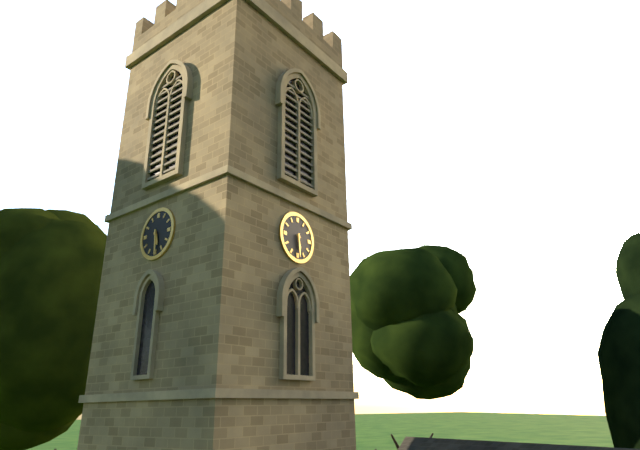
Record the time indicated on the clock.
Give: 5:29
